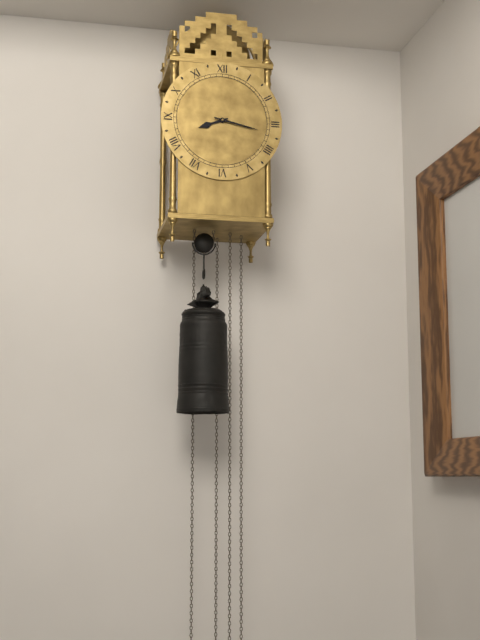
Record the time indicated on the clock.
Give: 8:17
